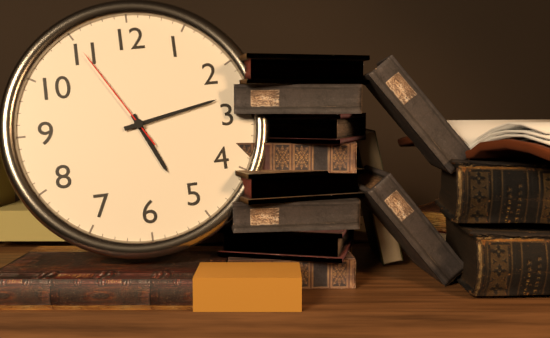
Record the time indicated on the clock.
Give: 5:13:55
